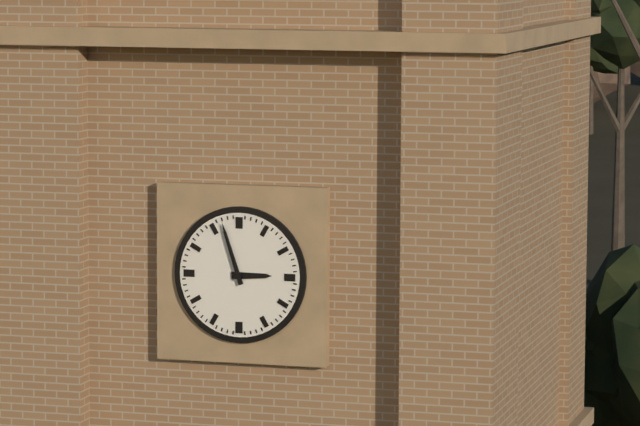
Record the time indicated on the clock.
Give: 2:57
